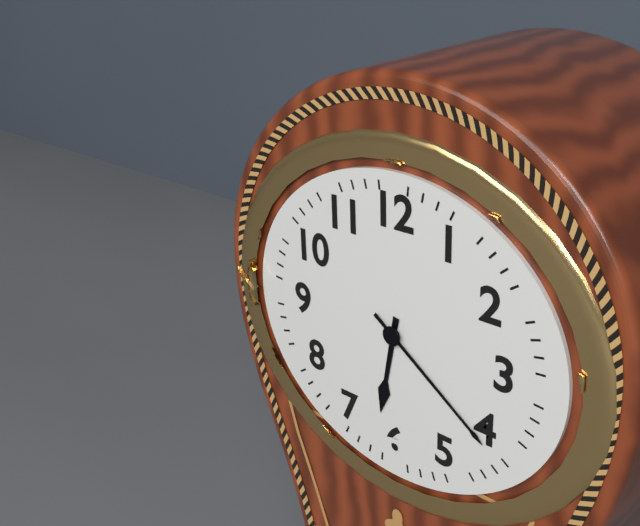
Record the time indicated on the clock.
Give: 6:21
